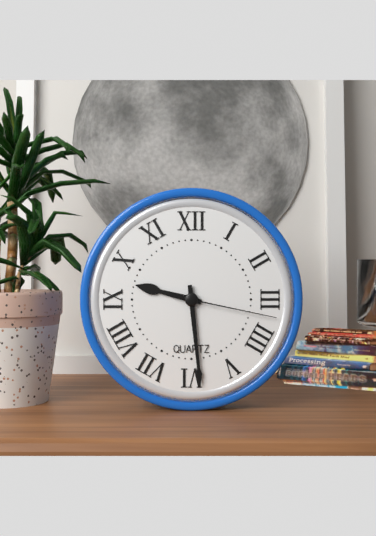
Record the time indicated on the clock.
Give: 9:29:17
